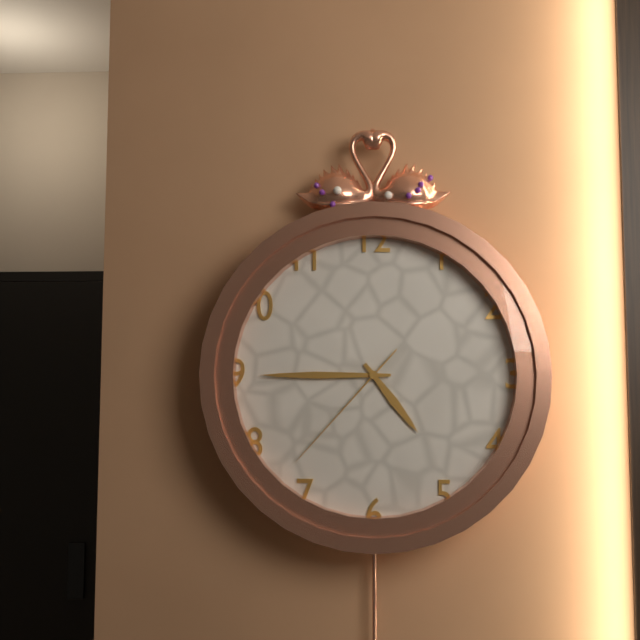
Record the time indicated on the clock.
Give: 4:45:37
